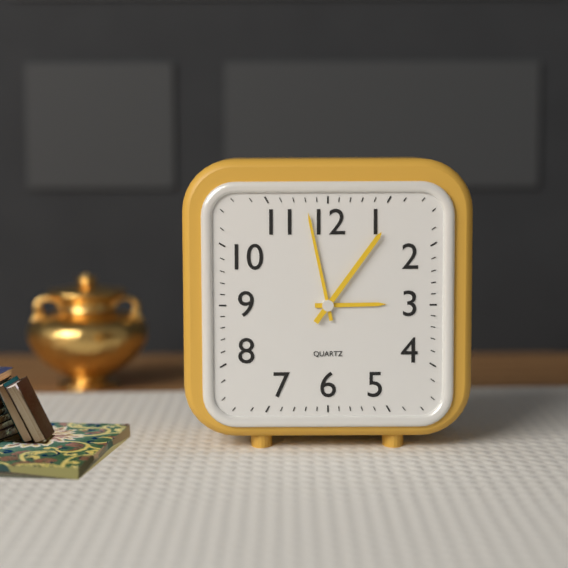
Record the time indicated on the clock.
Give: 2:58:06
